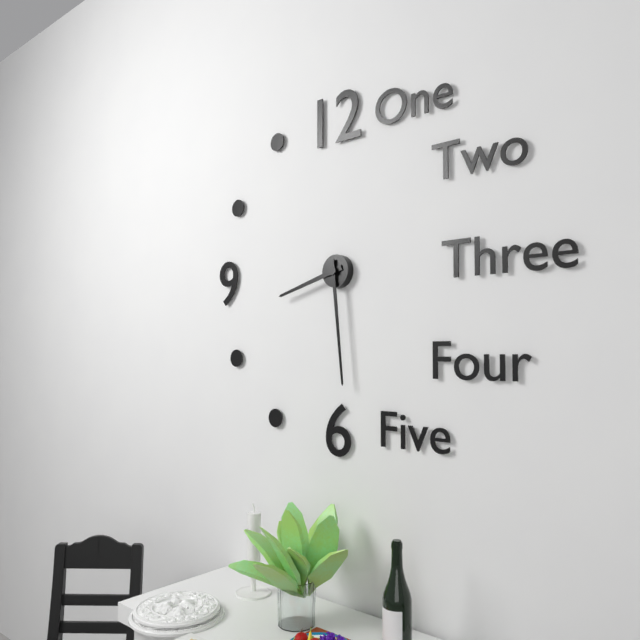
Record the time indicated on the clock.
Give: 8:29
